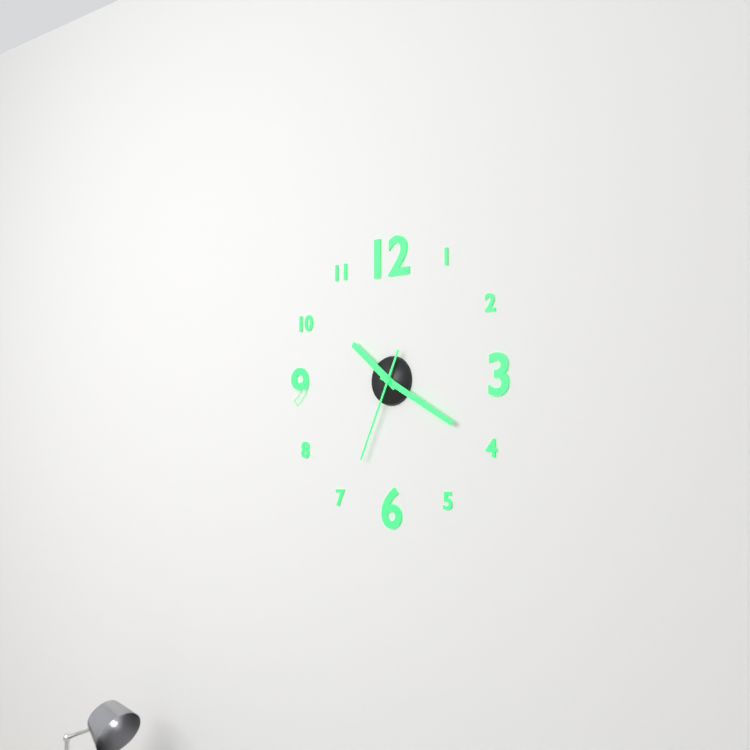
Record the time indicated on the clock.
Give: 10:20:34
